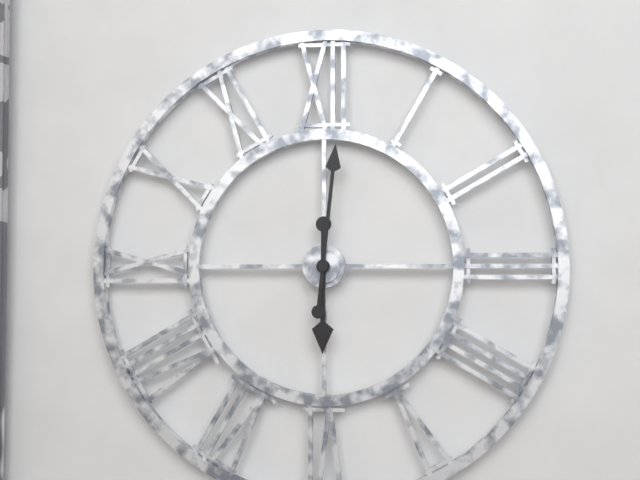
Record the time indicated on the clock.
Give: 6:01
